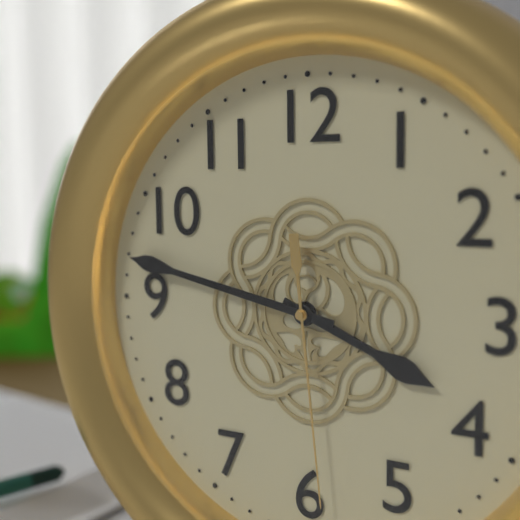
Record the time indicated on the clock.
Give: 3:47:29
